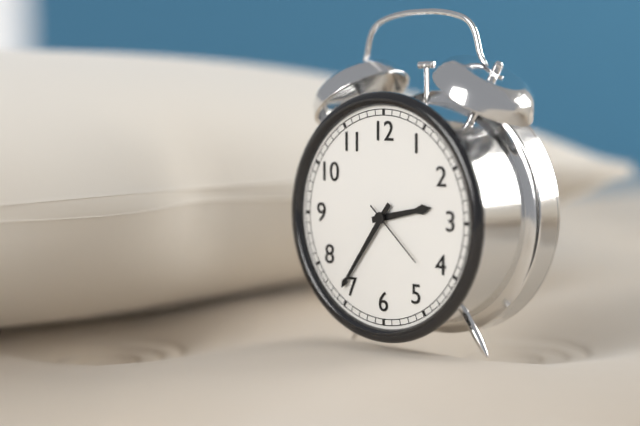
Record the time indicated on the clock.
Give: 2:36:22
